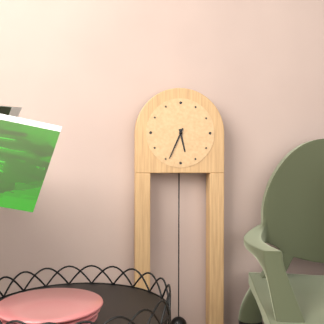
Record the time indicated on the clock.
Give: 5:34
